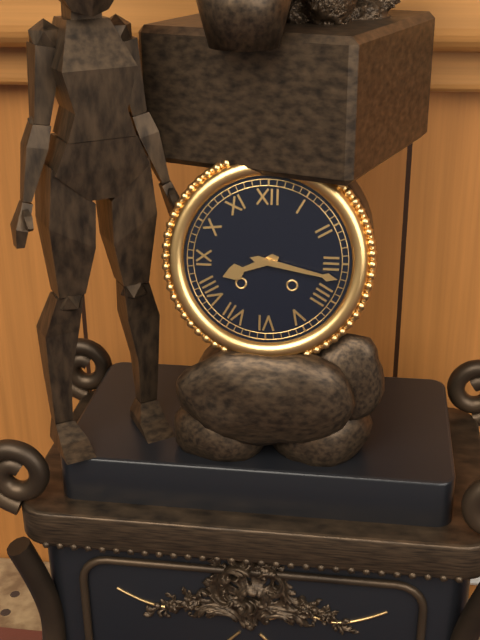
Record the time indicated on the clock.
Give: 8:17
